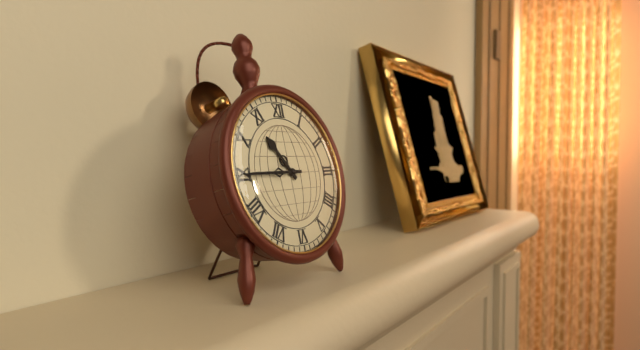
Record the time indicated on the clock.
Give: 10:45
